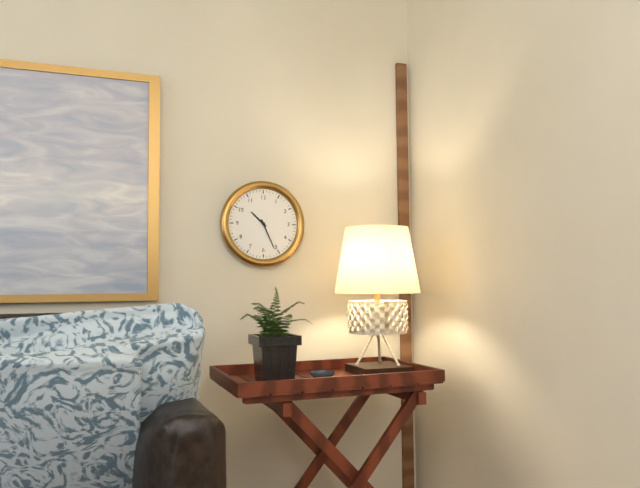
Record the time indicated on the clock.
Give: 10:26
